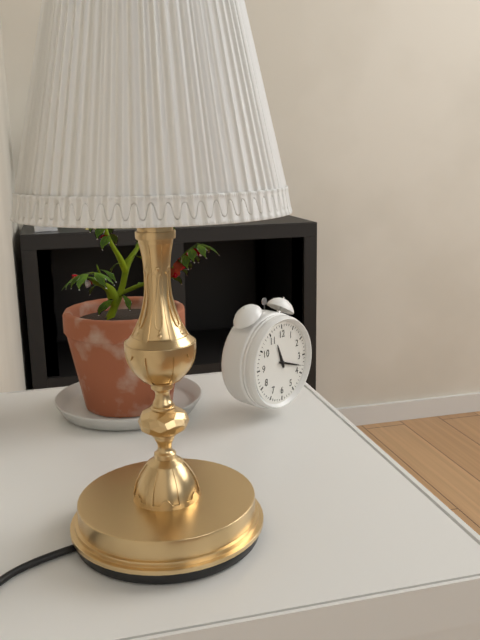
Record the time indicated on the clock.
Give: 11:18
